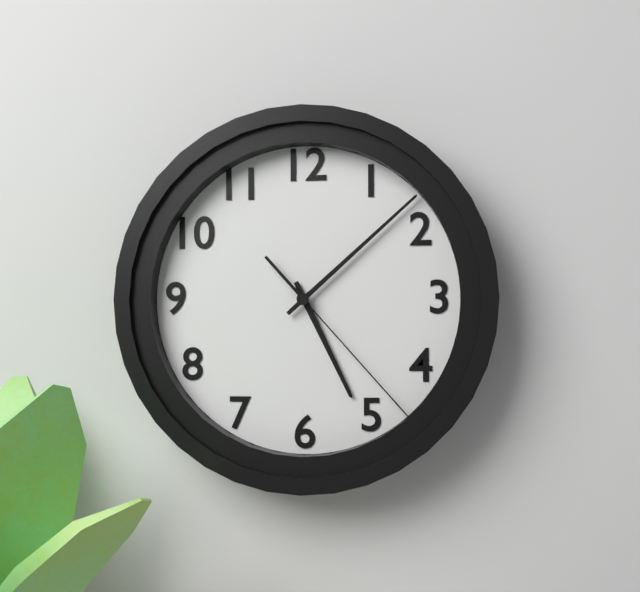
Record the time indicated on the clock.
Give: 5:08:23
